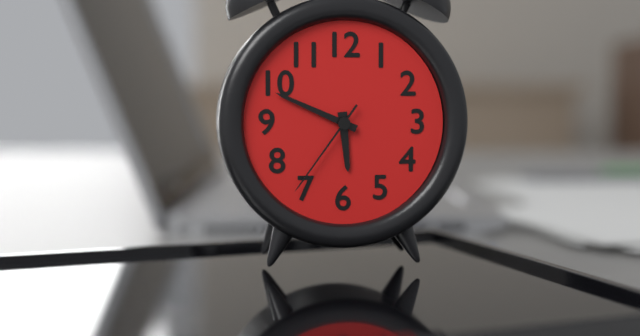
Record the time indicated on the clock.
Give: 5:49:36
